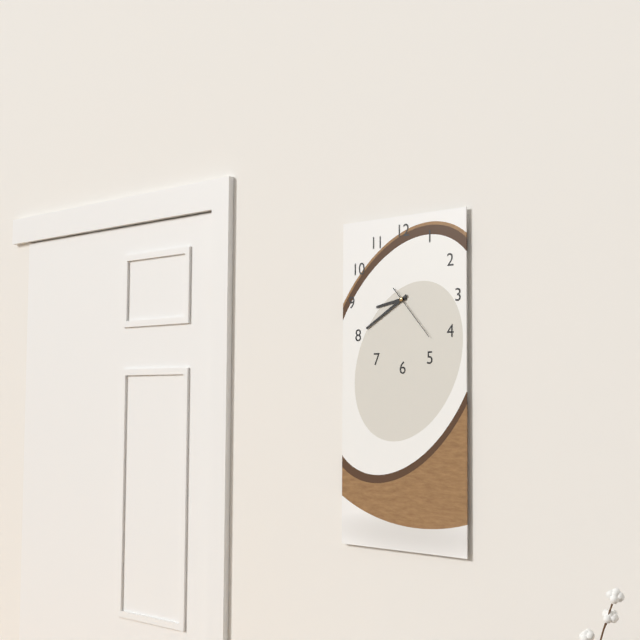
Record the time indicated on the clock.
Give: 8:40:23
